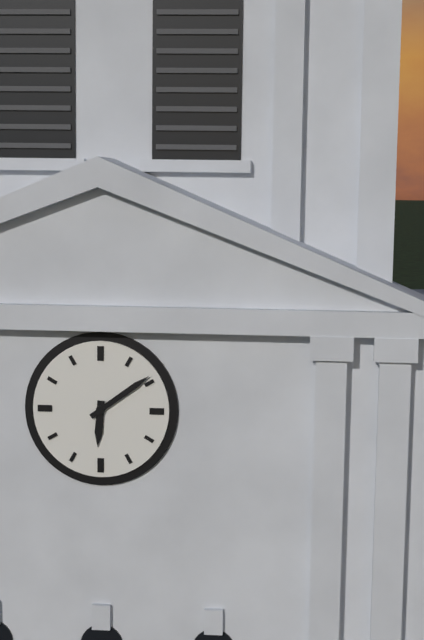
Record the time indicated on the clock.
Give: 6:09
